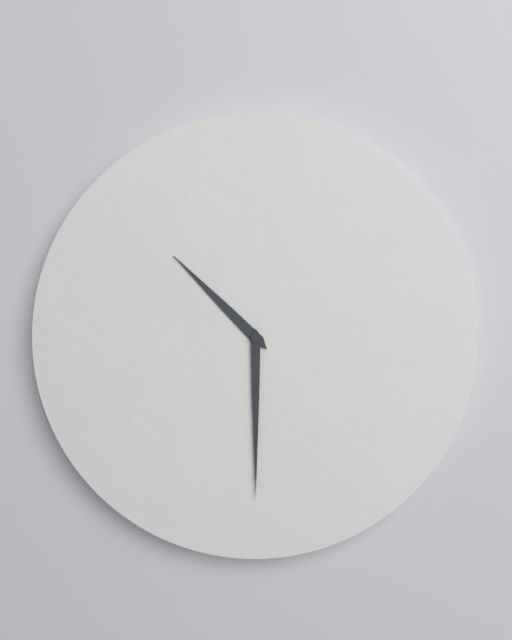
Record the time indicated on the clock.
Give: 10:30
